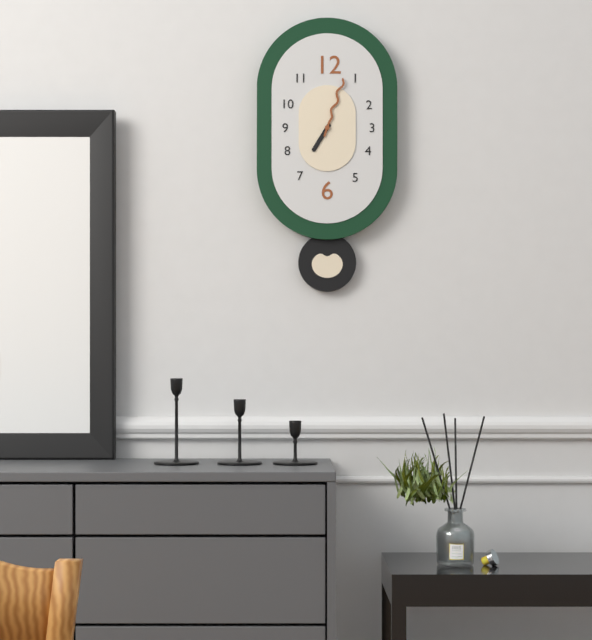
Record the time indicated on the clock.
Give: 7:03
